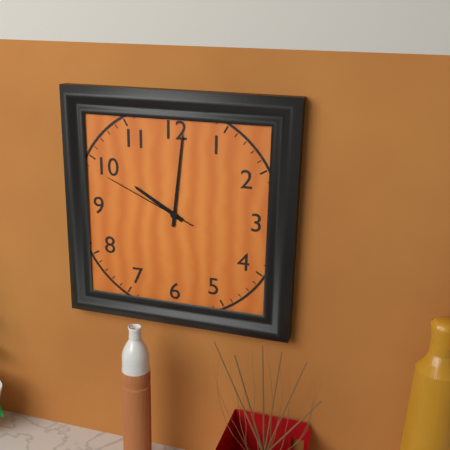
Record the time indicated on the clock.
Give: 10:01:49
